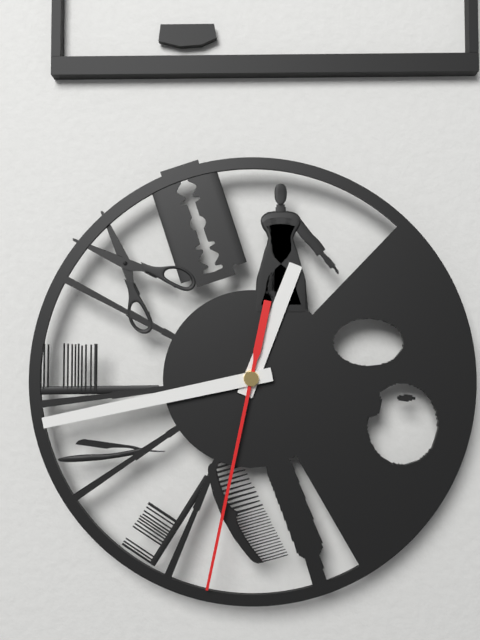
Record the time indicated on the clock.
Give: 12:43:32
